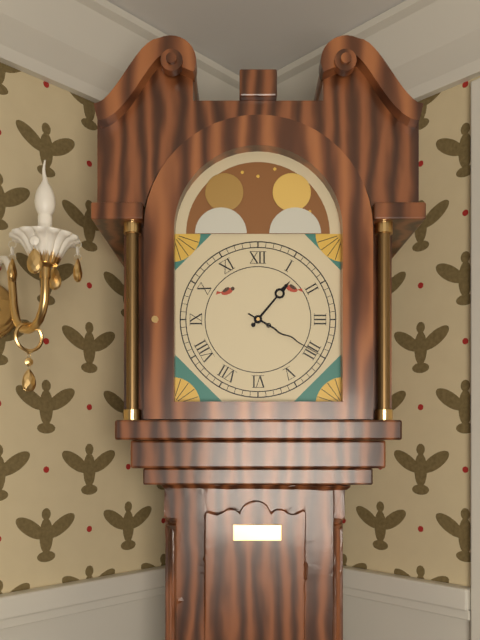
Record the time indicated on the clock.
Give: 1:20
